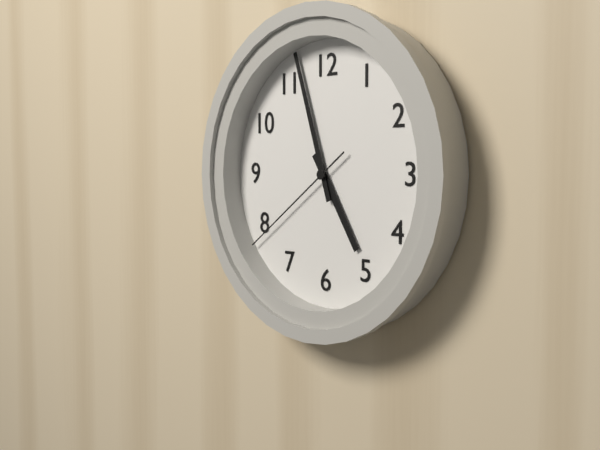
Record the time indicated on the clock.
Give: 4:57:39
